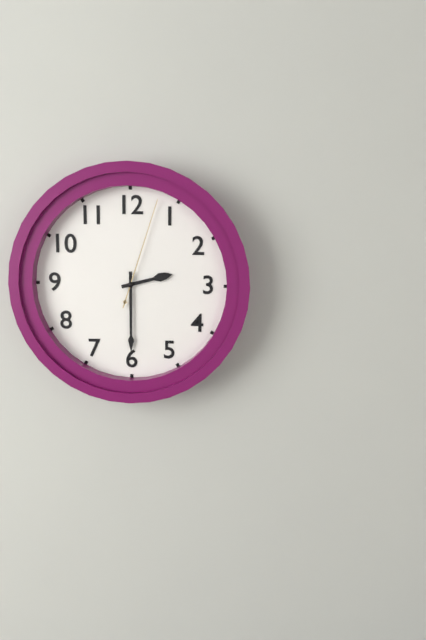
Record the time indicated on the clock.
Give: 2:30:03
